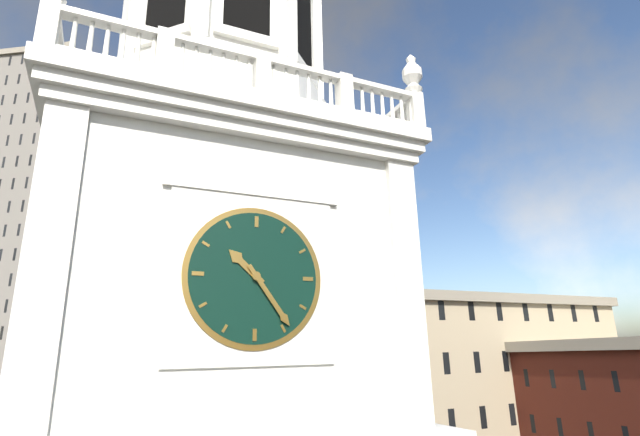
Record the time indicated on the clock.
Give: 10:24
